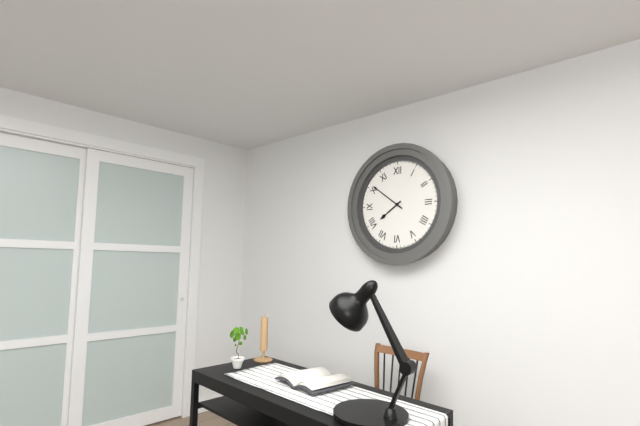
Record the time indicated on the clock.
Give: 7:51
